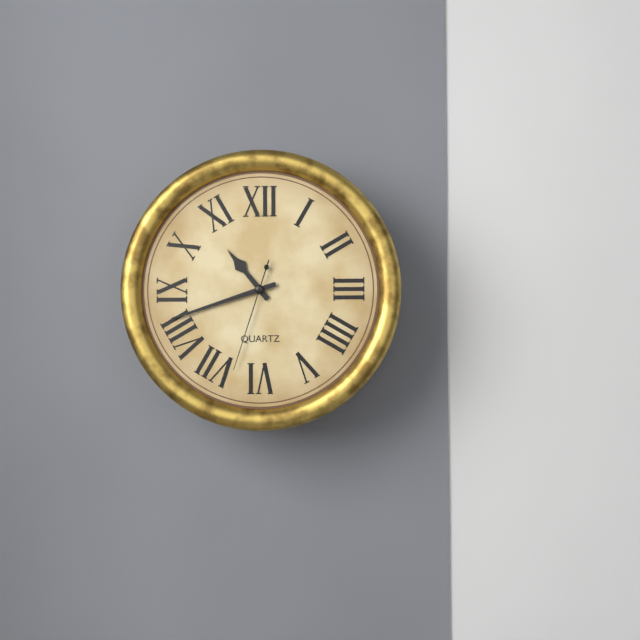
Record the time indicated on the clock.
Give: 10:42:33
